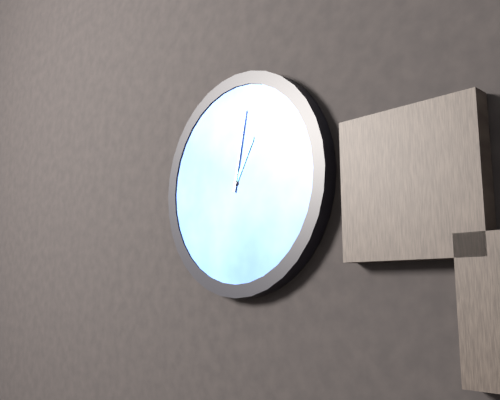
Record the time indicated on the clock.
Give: 1:02
